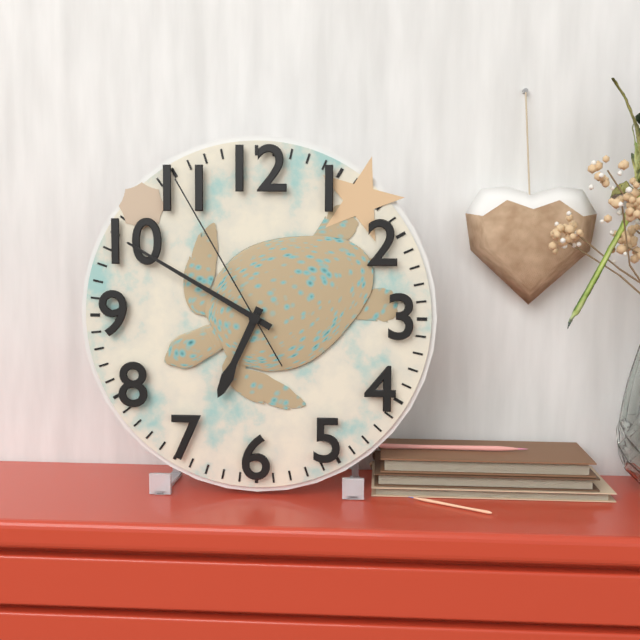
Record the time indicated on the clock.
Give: 6:50:55
